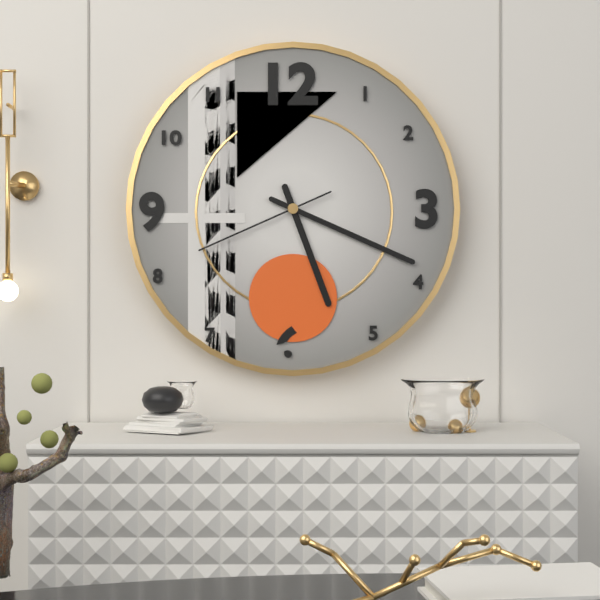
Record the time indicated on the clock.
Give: 5:19:41
